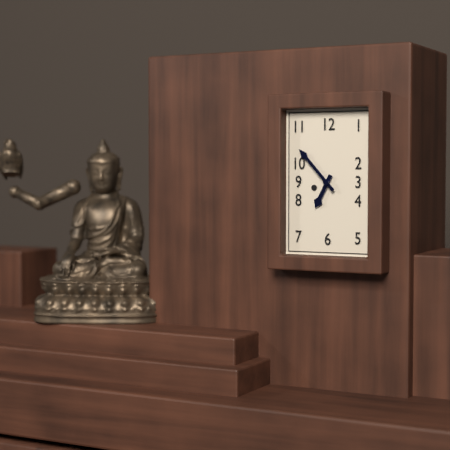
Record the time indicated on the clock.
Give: 6:53
